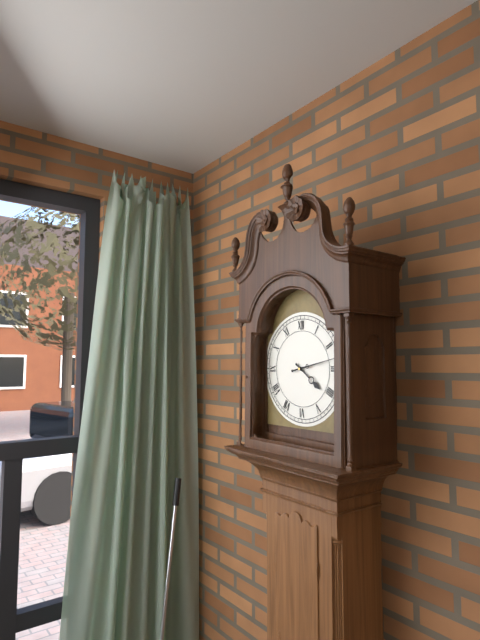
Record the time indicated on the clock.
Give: 4:13
